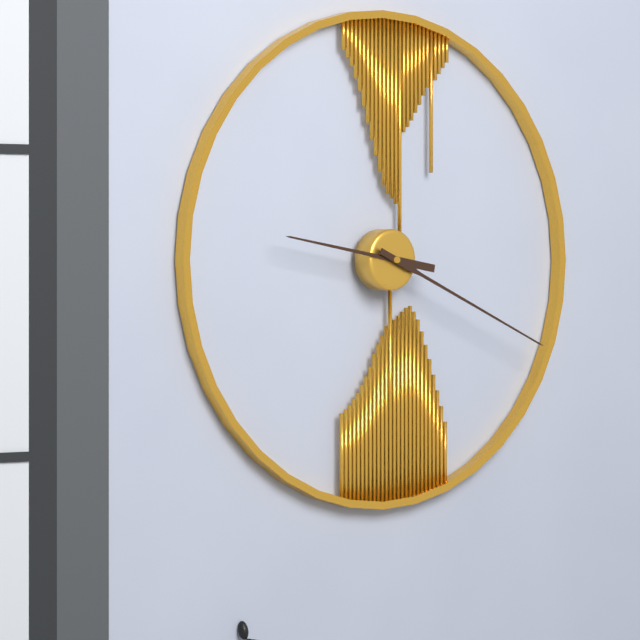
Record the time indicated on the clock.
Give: 9:19
